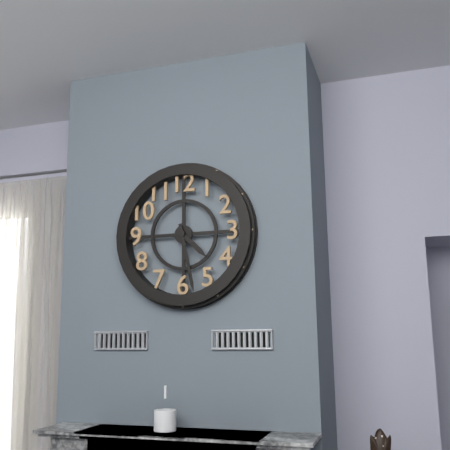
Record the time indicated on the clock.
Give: 4:28
